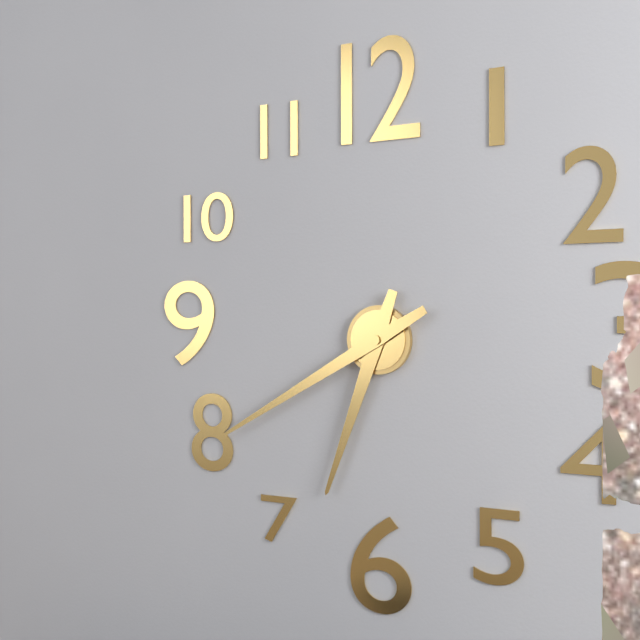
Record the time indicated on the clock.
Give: 6:40
